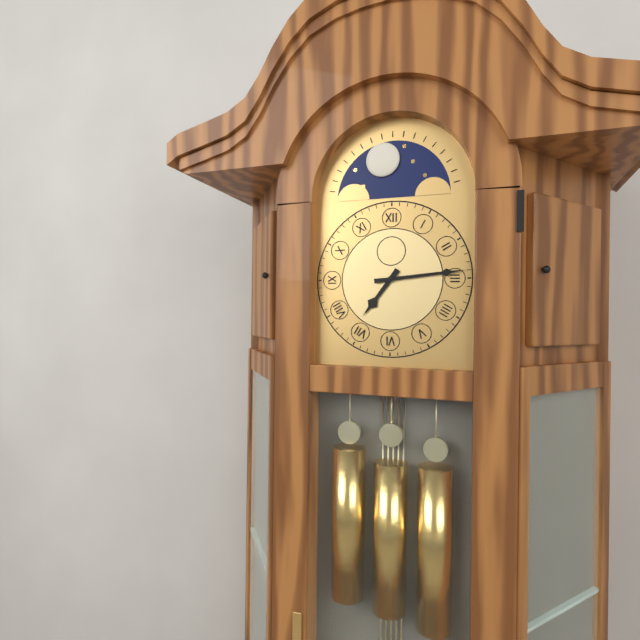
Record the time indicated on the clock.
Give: 7:14
